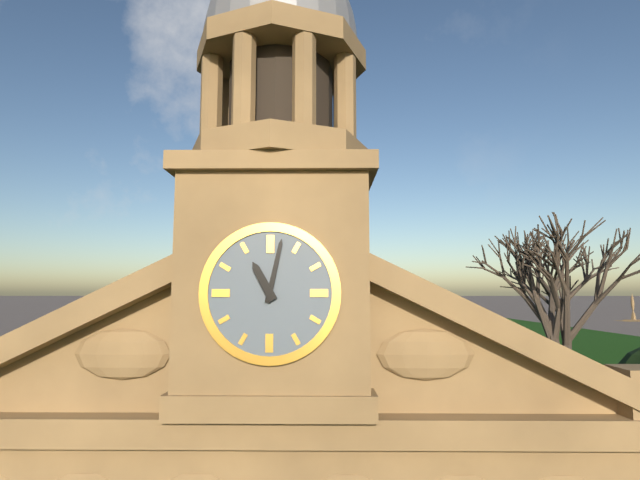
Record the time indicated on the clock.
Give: 11:02
